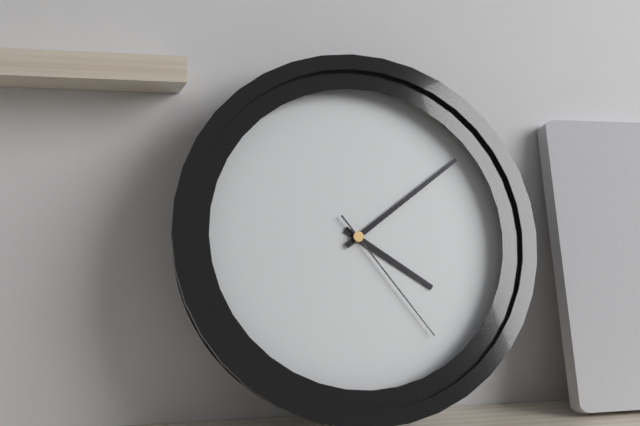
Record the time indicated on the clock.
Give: 4:09:24
